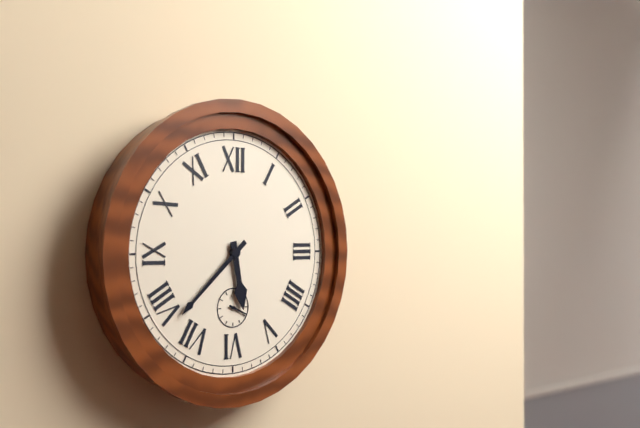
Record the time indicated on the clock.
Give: 5:38
